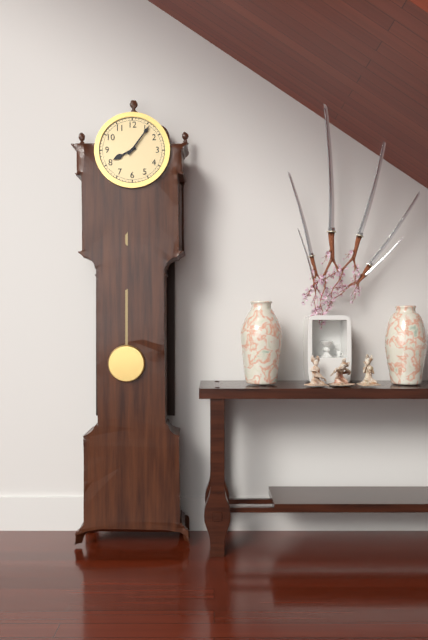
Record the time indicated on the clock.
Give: 8:06
